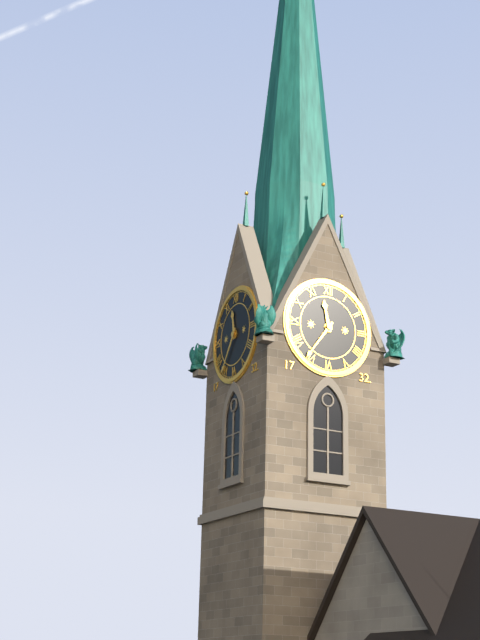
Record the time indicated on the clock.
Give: 11:36
